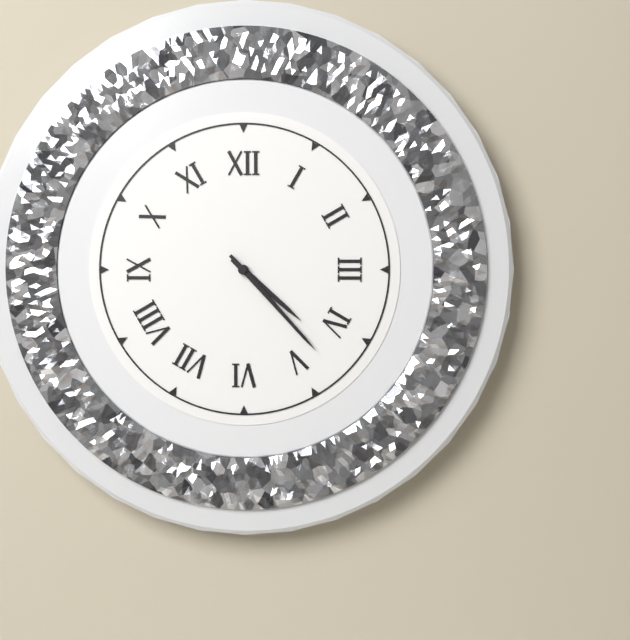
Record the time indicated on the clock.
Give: 4:23
